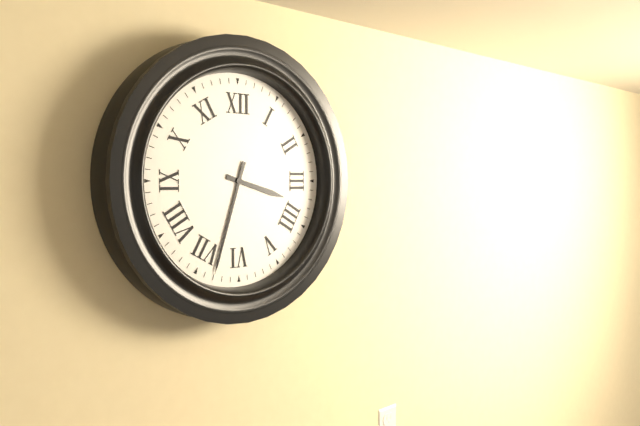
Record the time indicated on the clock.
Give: 3:33
